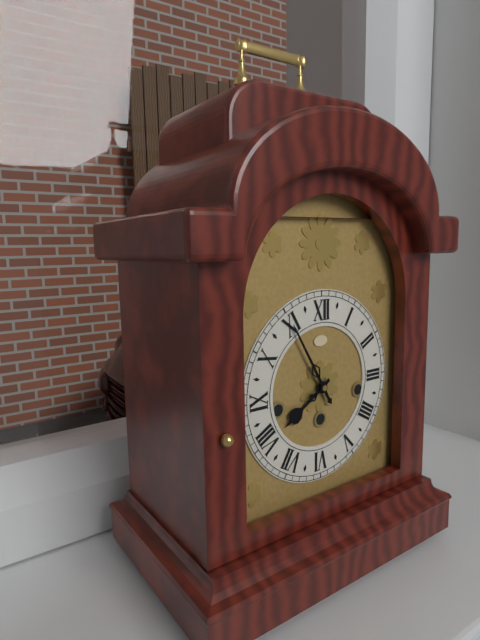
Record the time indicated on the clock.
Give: 7:55
